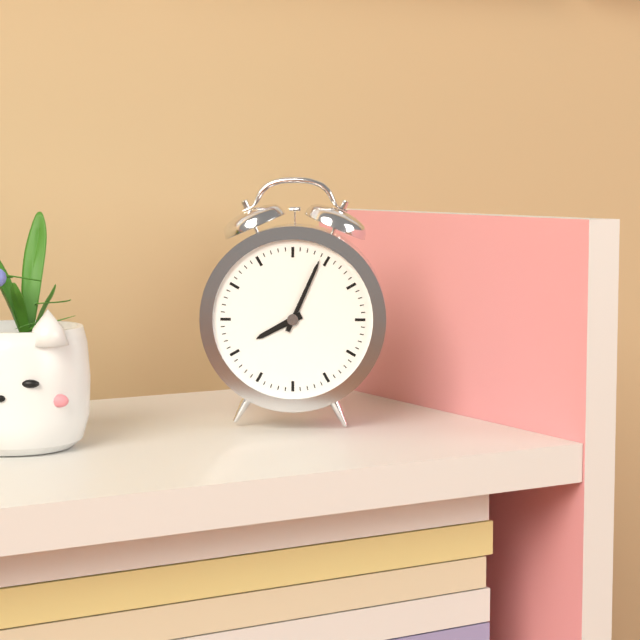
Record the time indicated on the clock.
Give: 8:04
